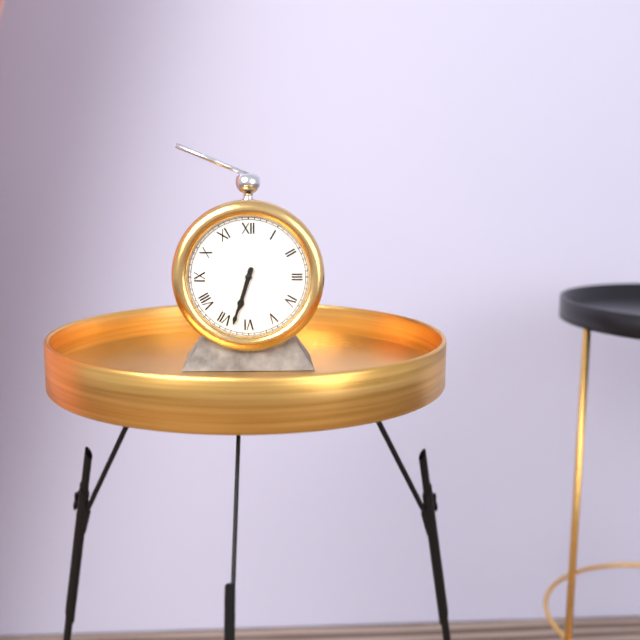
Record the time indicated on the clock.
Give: 6:33
